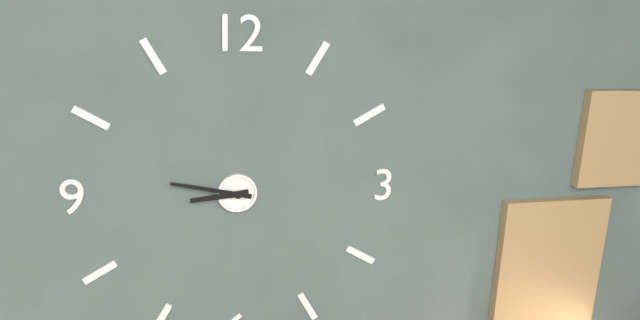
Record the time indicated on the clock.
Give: 8:47
